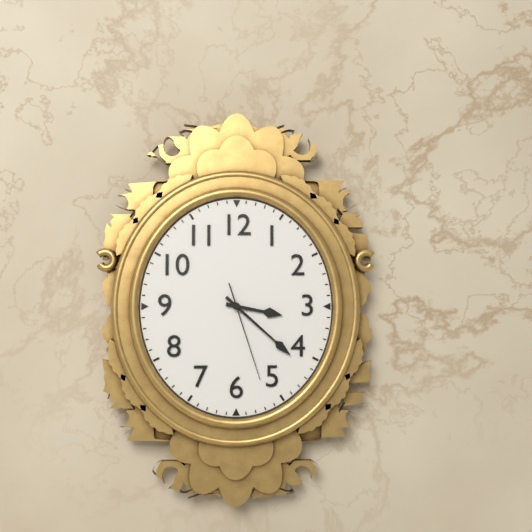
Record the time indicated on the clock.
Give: 3:22:27
